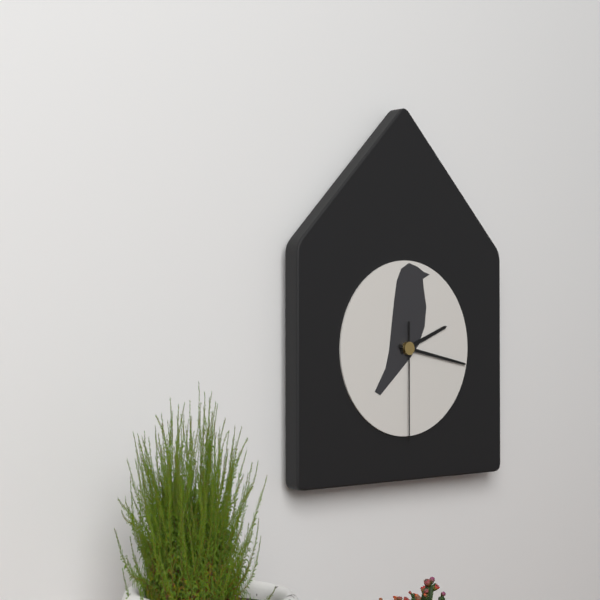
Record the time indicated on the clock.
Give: 2:17:30
